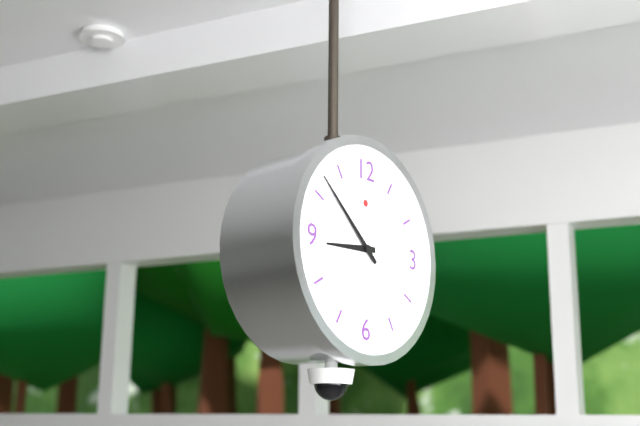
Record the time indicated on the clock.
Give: 8:52
